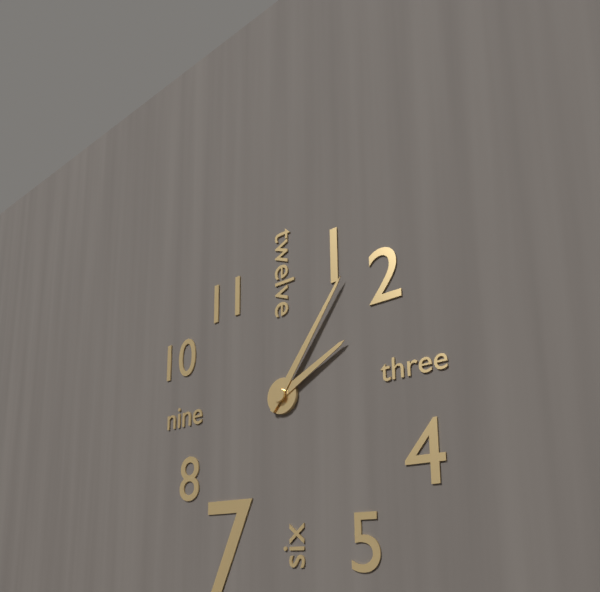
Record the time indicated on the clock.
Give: 2:06
